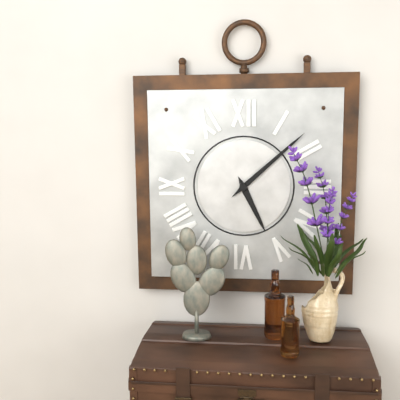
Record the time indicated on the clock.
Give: 5:08
